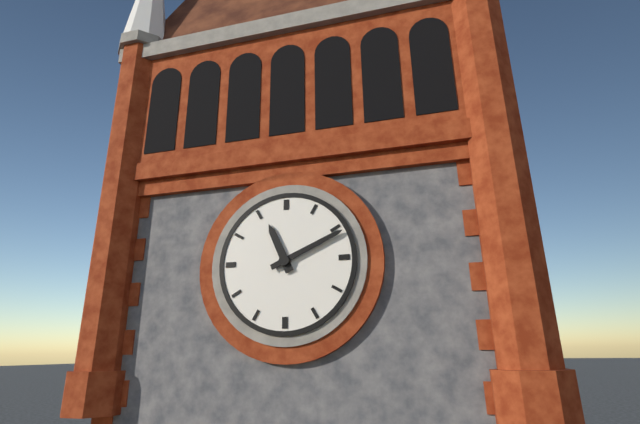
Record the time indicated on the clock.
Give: 11:11
